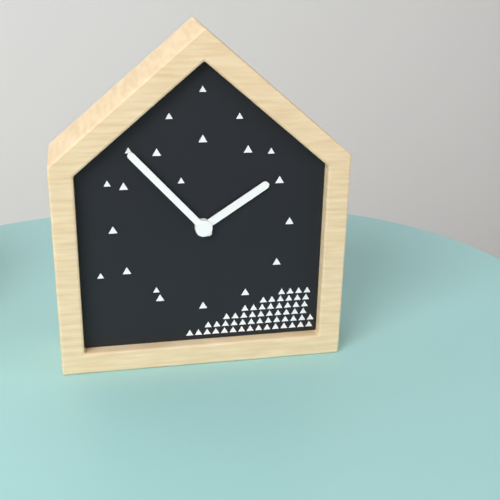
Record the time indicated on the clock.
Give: 1:53
